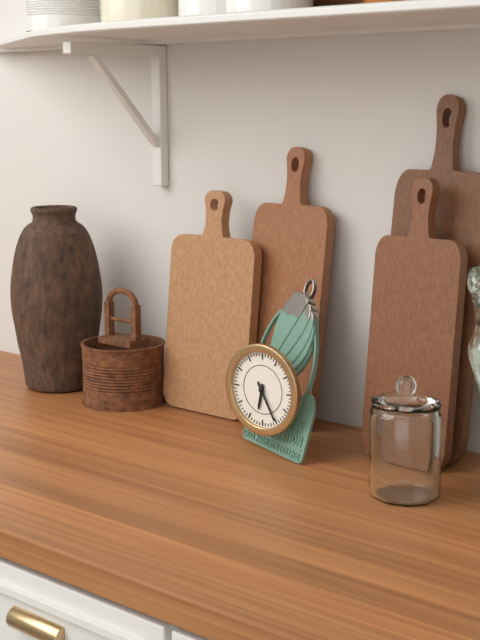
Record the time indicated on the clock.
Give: 6:25
